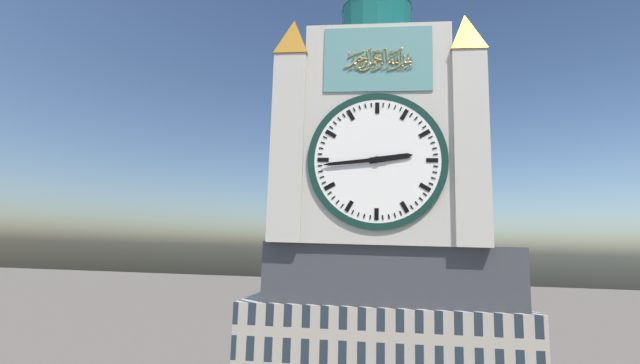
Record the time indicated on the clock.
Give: 2:44
